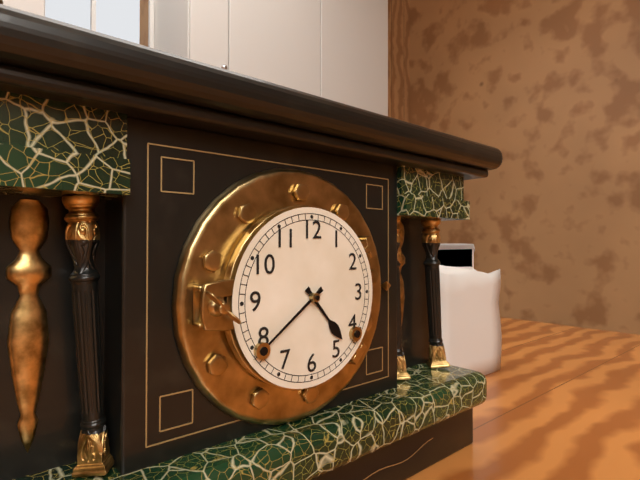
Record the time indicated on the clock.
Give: 4:39
